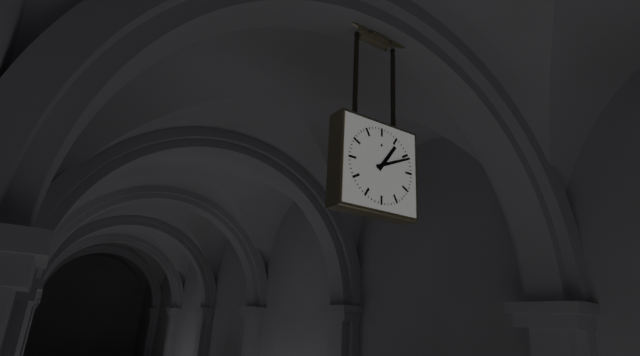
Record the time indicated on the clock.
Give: 1:11
